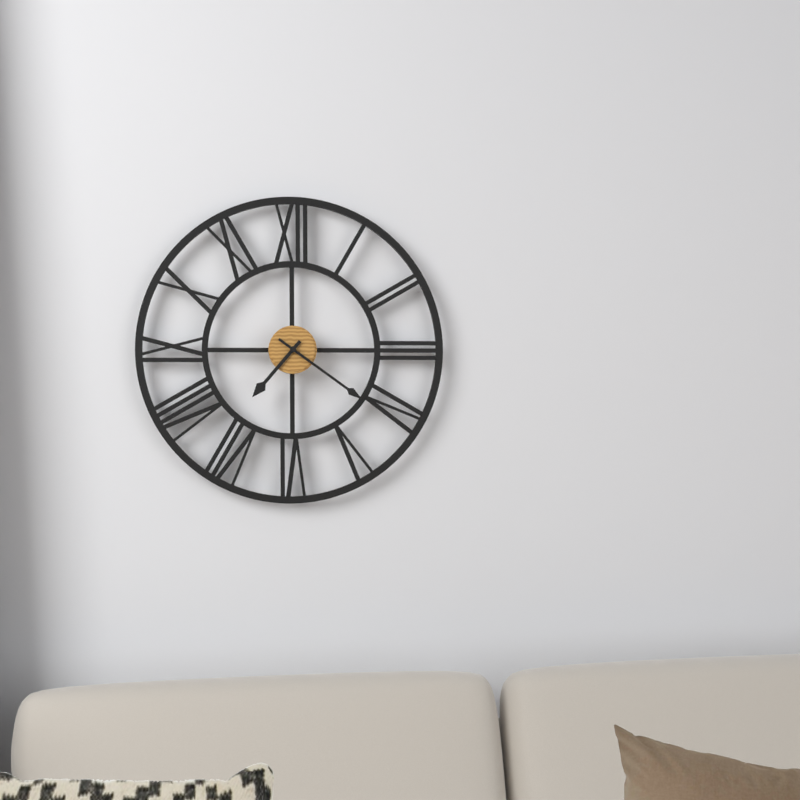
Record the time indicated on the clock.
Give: 7:21
